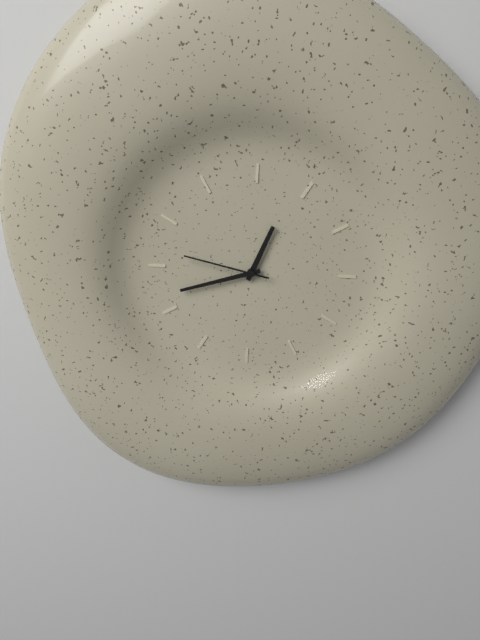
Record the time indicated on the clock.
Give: 12:42:47
